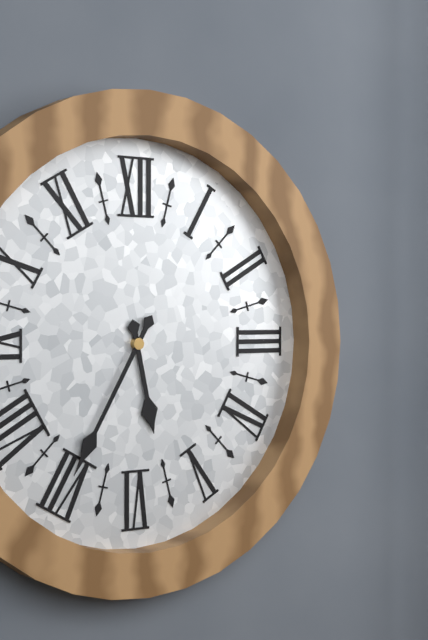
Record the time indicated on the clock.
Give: 5:35
